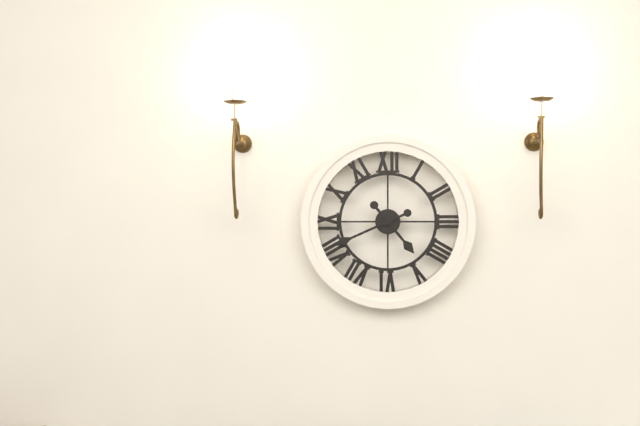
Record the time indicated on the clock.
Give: 4:41
